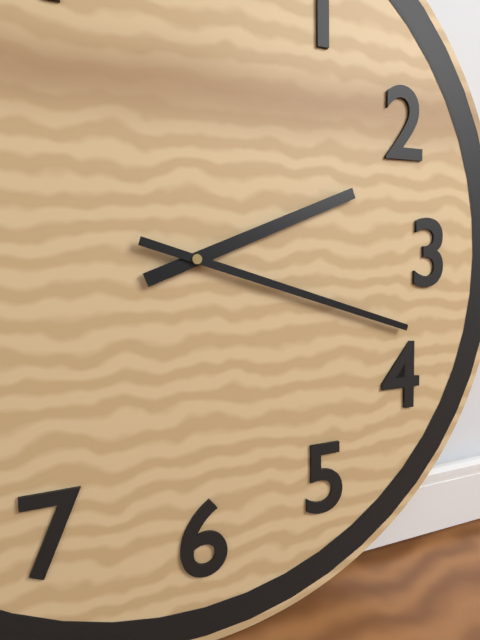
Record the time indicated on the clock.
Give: 2:18
